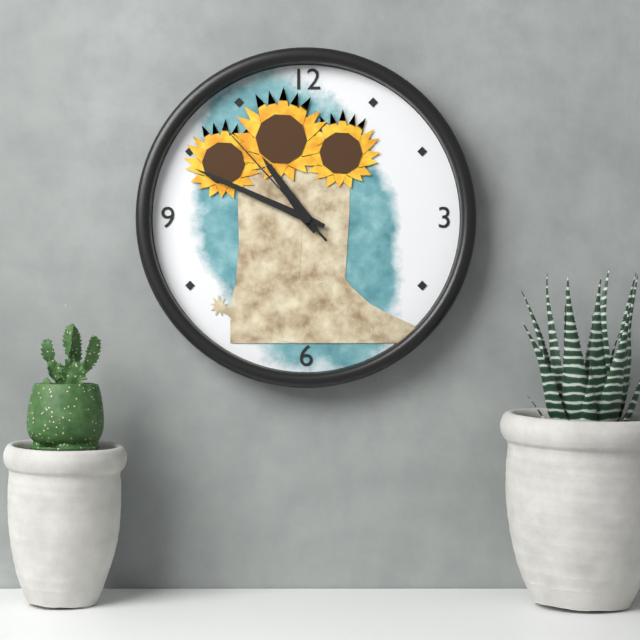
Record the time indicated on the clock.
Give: 10:49:53
